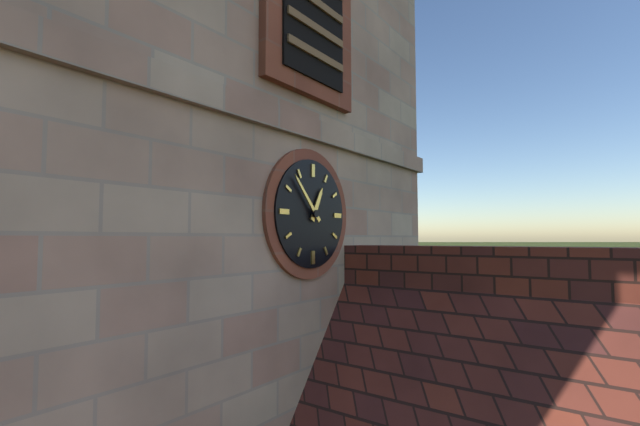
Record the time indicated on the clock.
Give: 12:53
